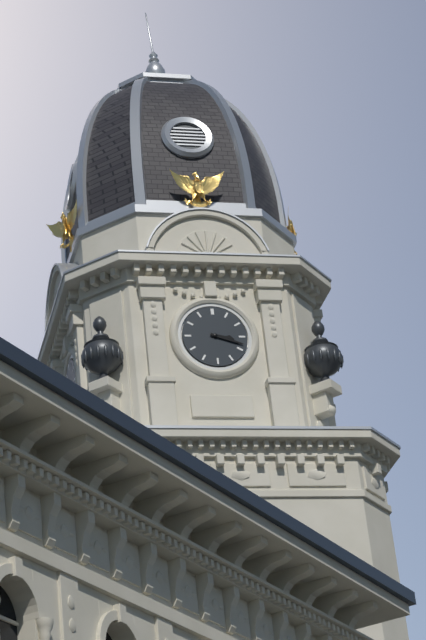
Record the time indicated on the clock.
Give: 3:18
